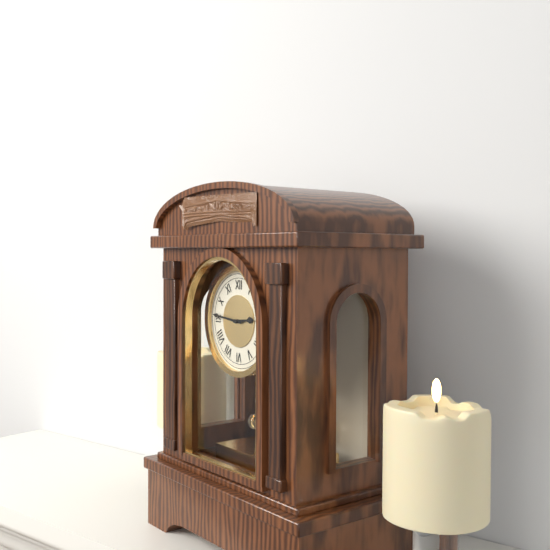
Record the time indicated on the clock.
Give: 2:46
